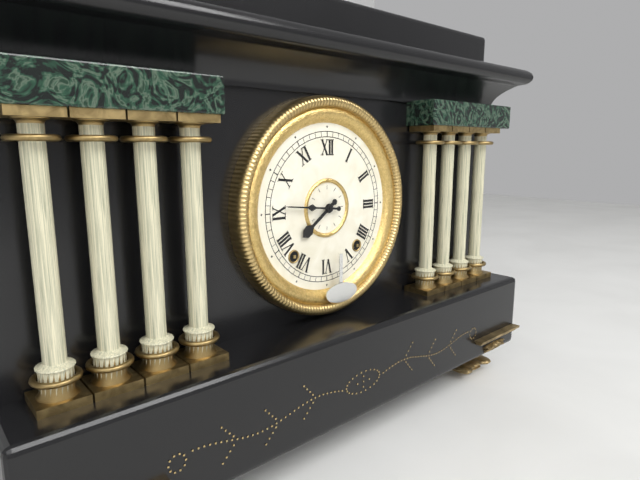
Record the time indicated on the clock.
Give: 7:46
